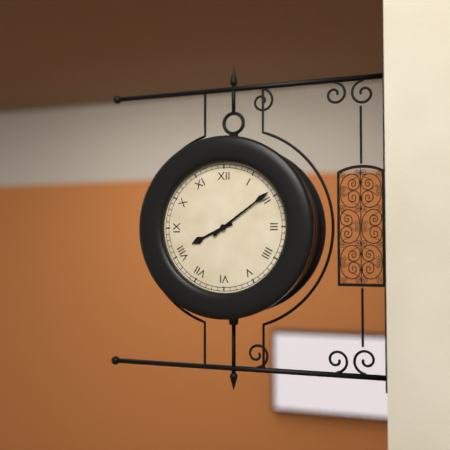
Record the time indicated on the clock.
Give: 8:09
